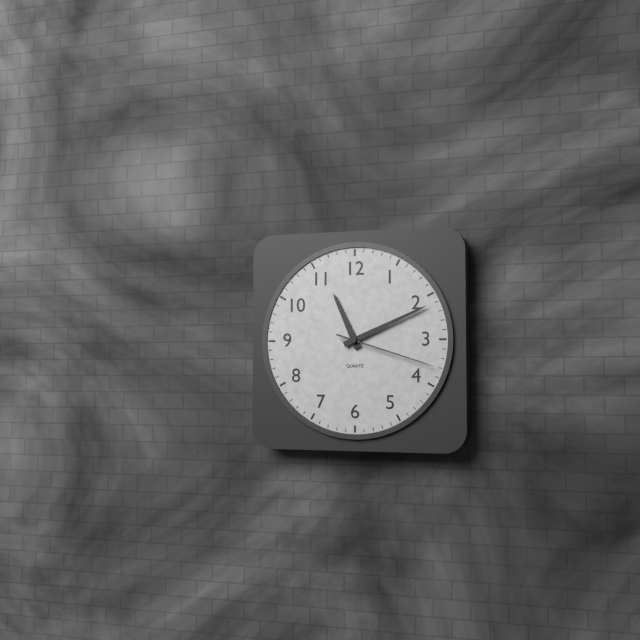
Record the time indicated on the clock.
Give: 11:11:18
